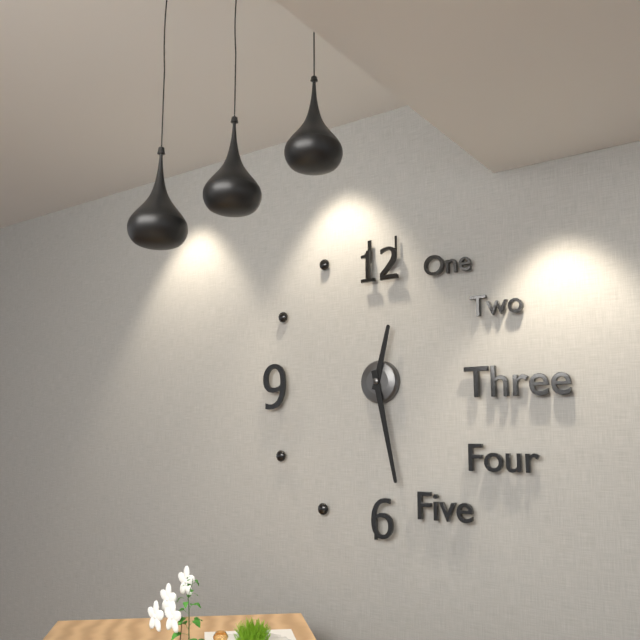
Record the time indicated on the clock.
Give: 12:28
